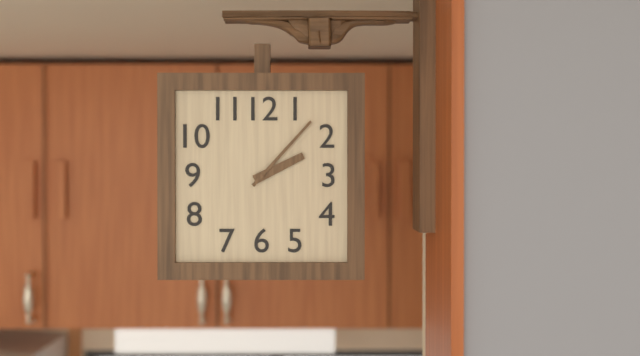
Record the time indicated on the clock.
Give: 2:07
